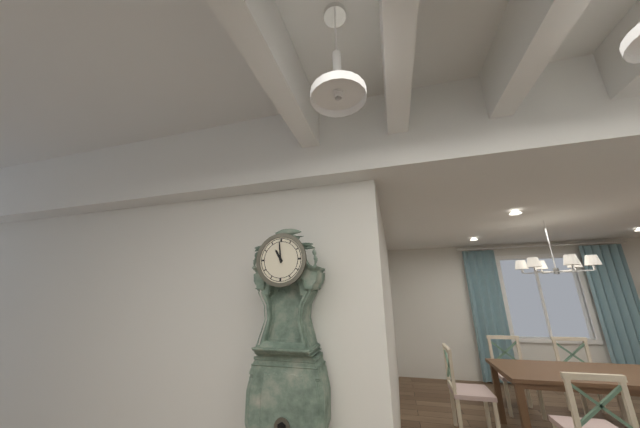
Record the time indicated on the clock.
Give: 10:59
